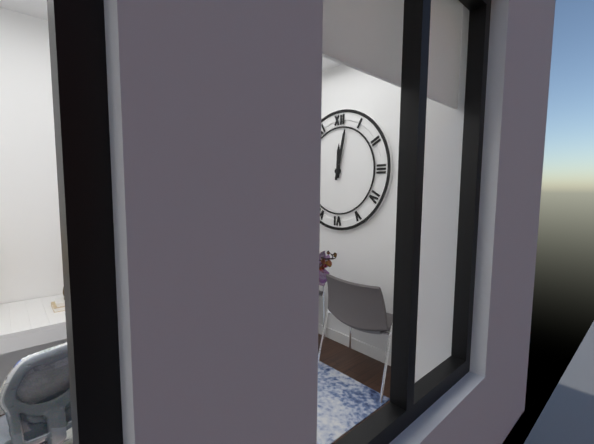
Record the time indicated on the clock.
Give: 12:02
